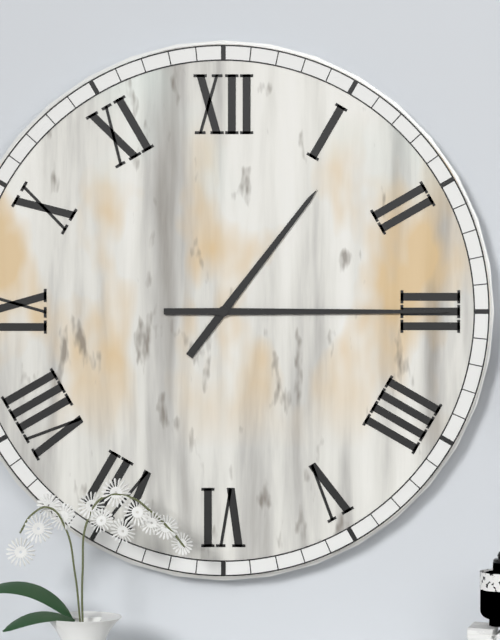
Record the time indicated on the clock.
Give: 1:15
